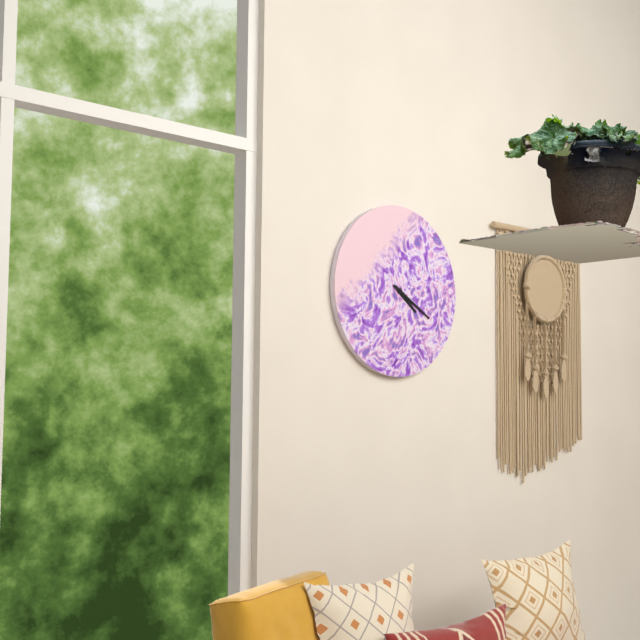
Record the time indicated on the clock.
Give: 4:20
